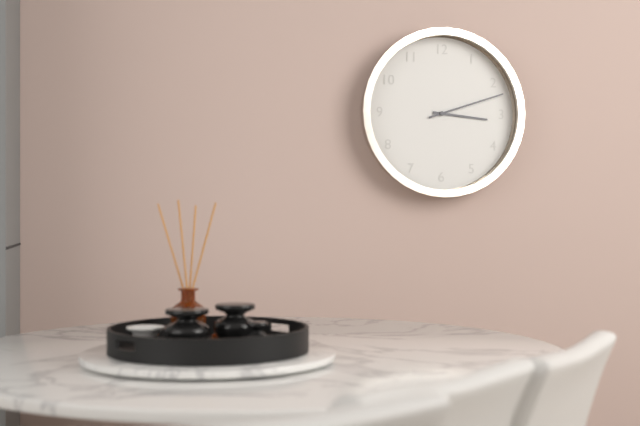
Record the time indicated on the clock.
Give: 3:12
